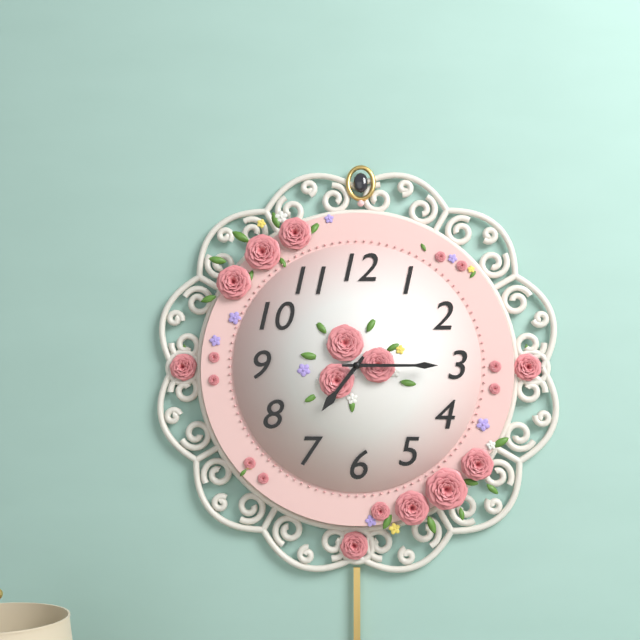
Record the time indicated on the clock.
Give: 7:15
